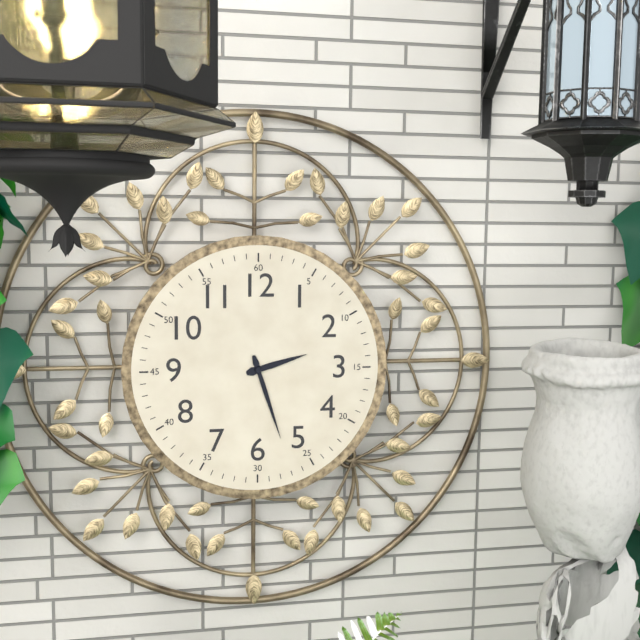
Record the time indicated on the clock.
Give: 2:27
